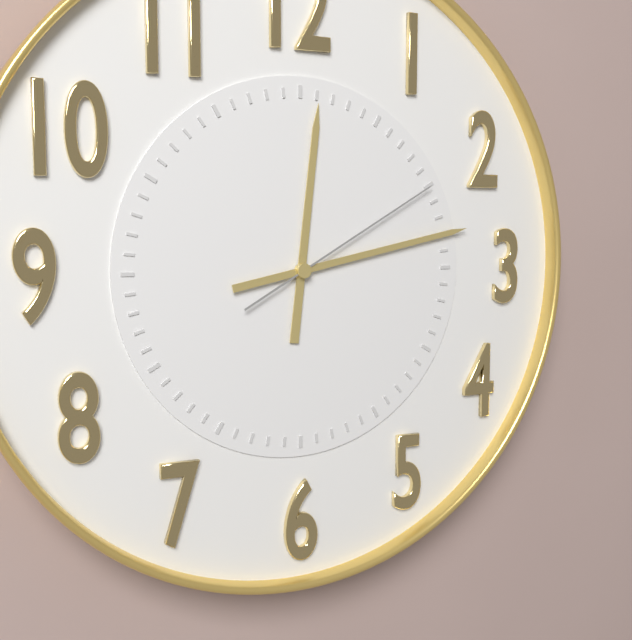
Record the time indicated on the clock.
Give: 12:13:10
